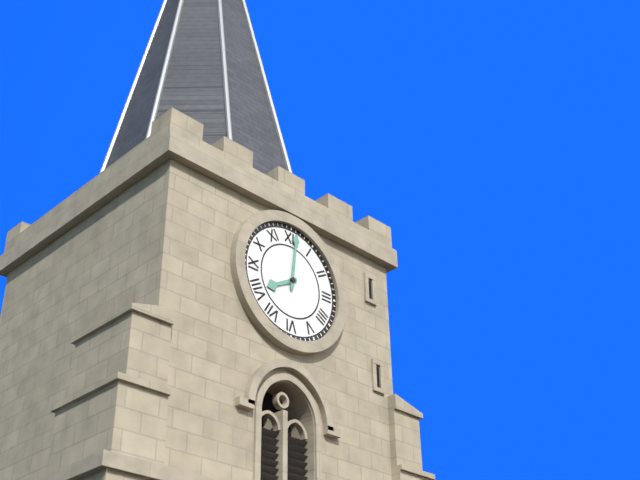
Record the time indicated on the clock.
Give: 8:01
